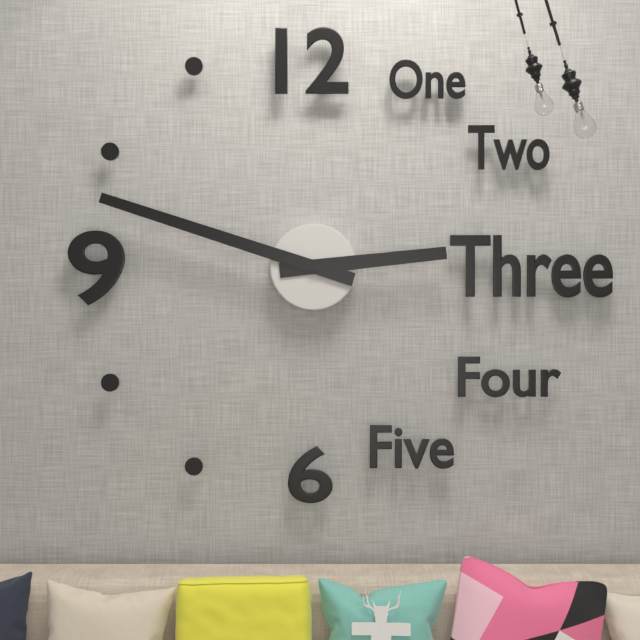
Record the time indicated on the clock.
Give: 2:48
